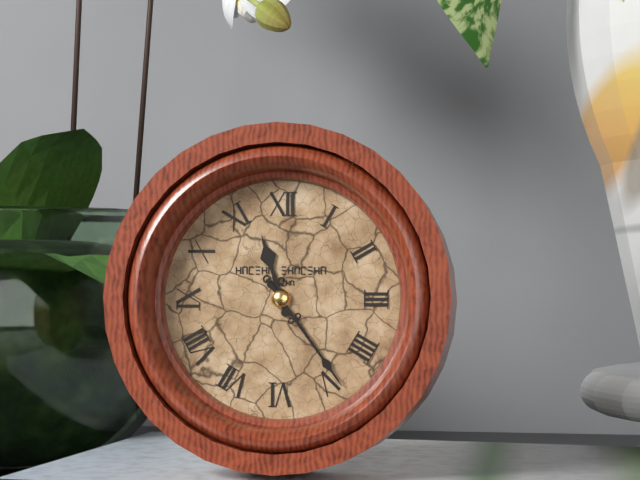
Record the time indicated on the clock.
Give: 11:24
